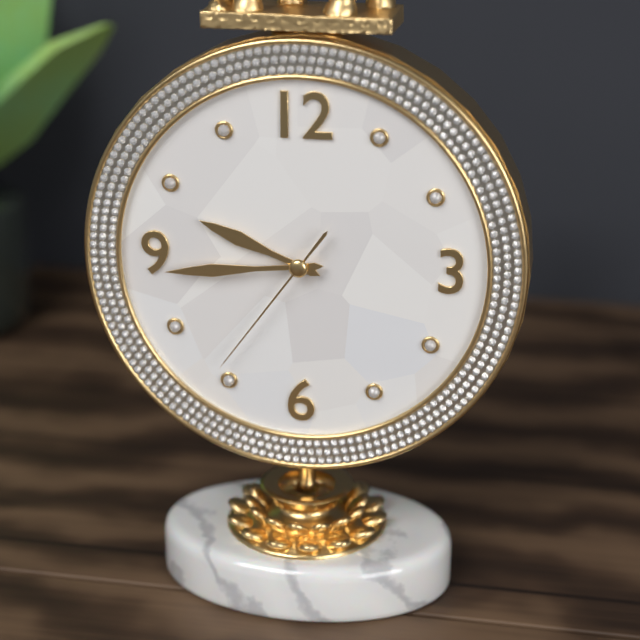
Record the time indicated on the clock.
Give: 9:44:36
